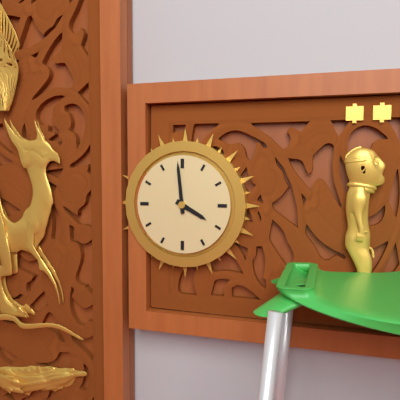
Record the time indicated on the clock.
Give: 3:59
